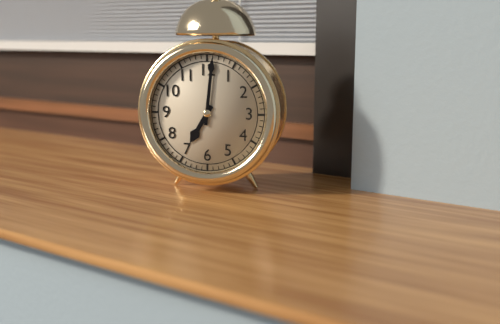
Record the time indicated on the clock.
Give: 7:01
